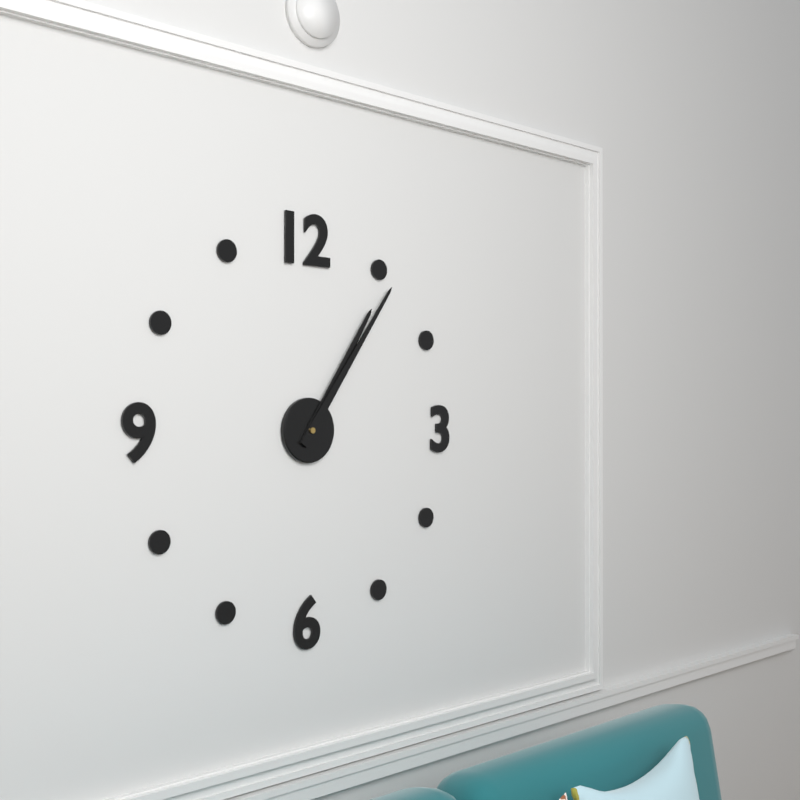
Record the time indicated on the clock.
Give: 1:06
